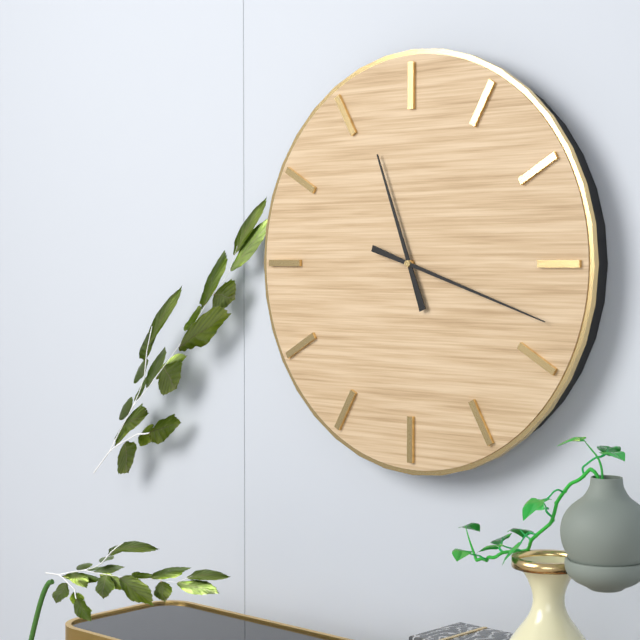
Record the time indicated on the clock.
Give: 11:18
